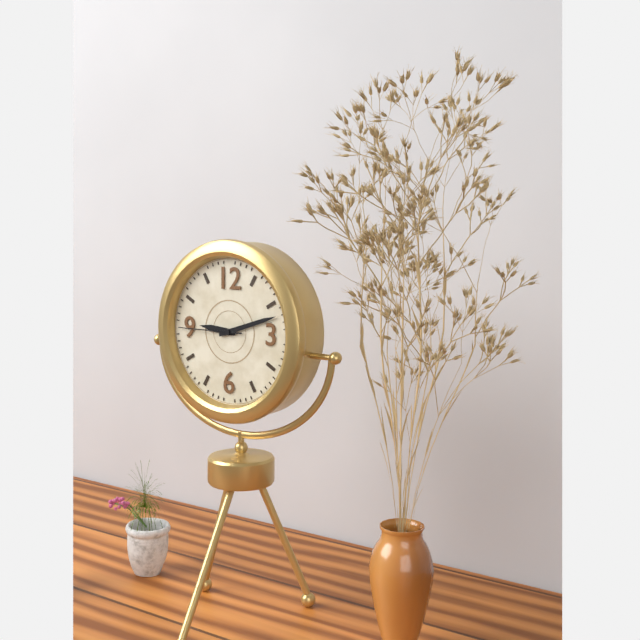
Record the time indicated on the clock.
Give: 9:12:45
